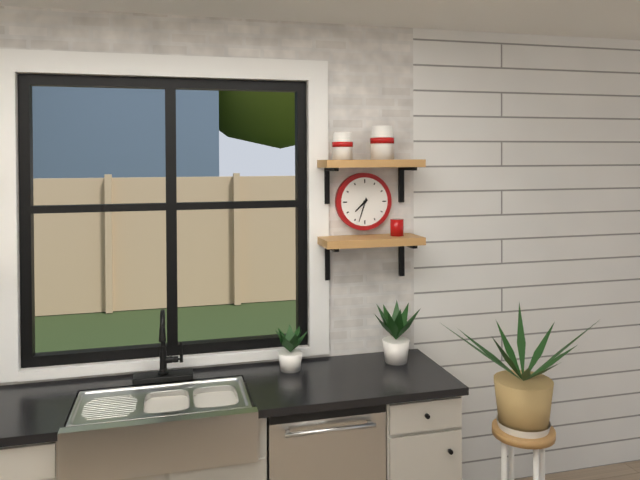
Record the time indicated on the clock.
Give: 7:33
